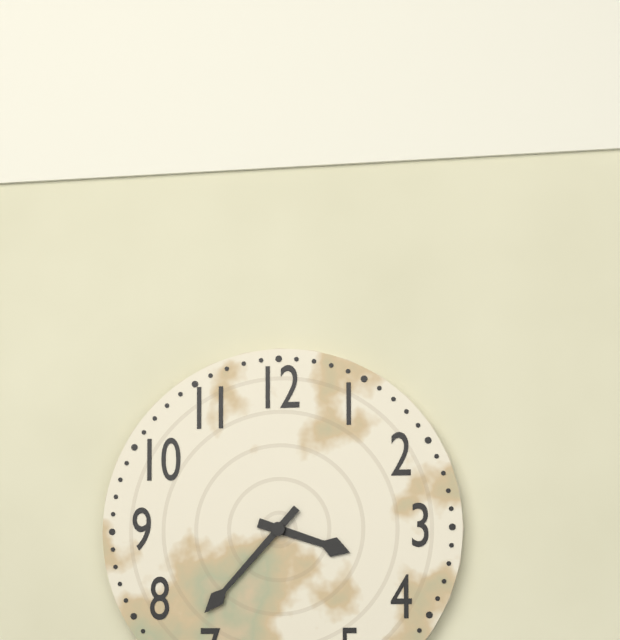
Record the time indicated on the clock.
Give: 3:37
